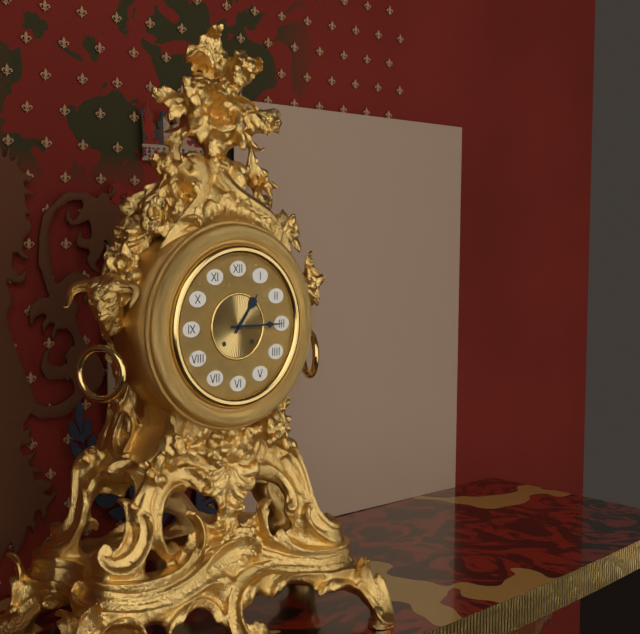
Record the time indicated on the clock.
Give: 1:15
